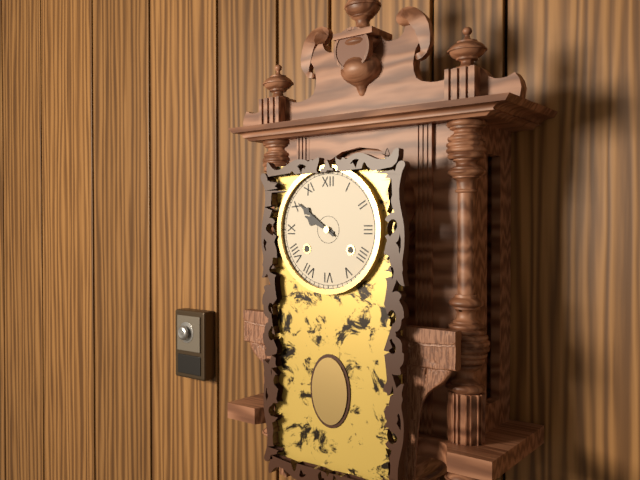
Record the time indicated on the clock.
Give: 9:51
